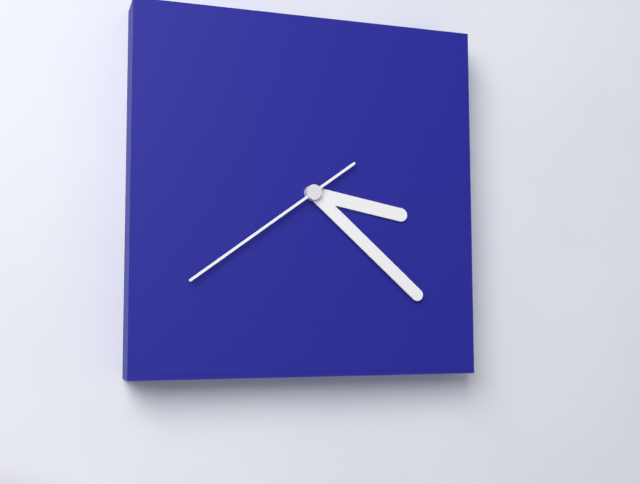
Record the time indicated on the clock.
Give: 3:22:39
